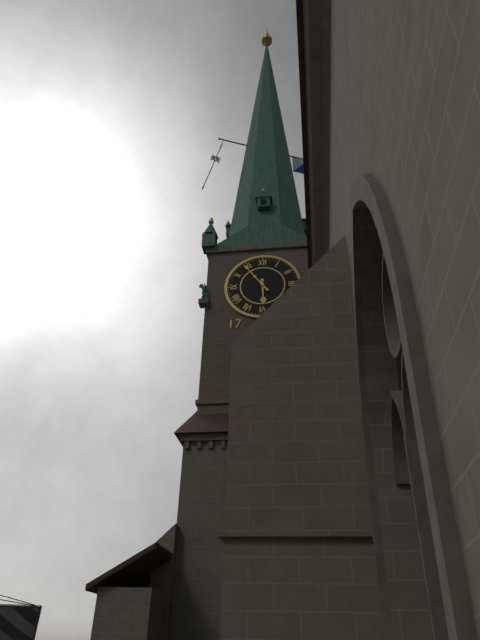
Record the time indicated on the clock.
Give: 5:54
